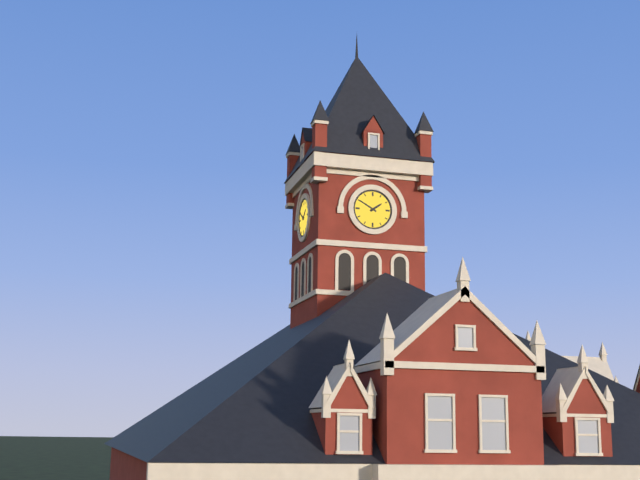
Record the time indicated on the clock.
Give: 1:50
